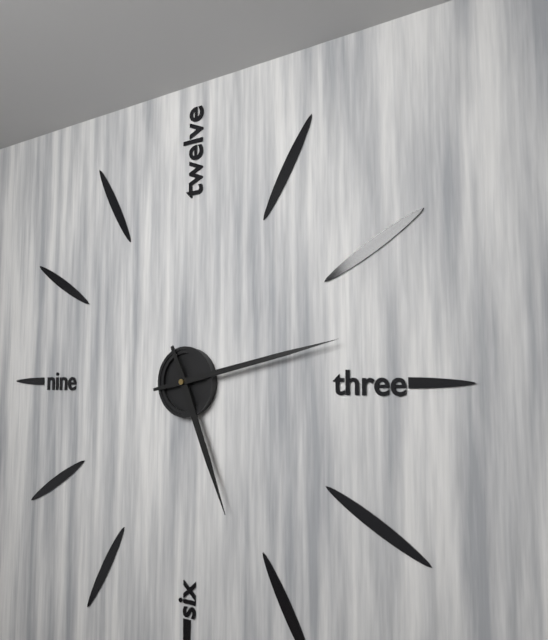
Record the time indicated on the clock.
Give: 5:13
